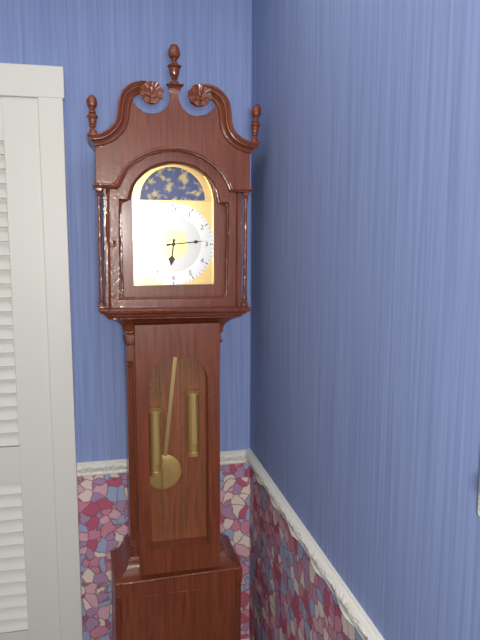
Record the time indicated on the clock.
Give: 6:14
